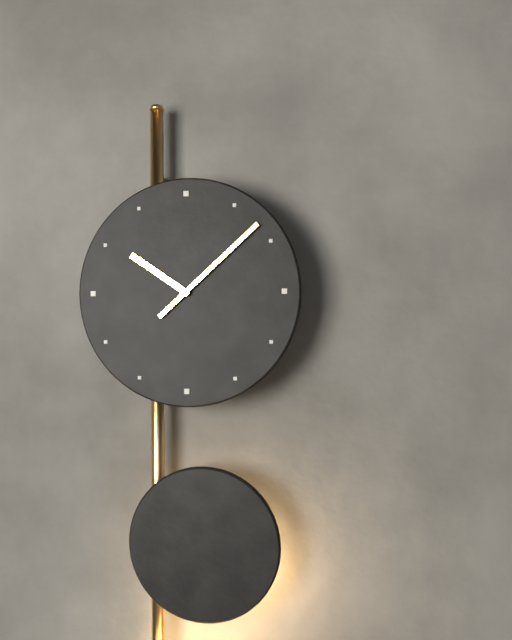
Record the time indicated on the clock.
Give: 10:08
